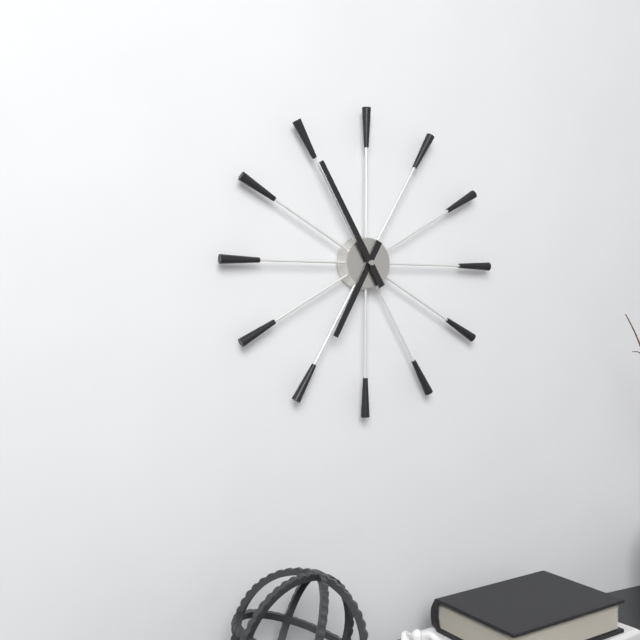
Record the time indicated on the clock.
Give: 6:55
